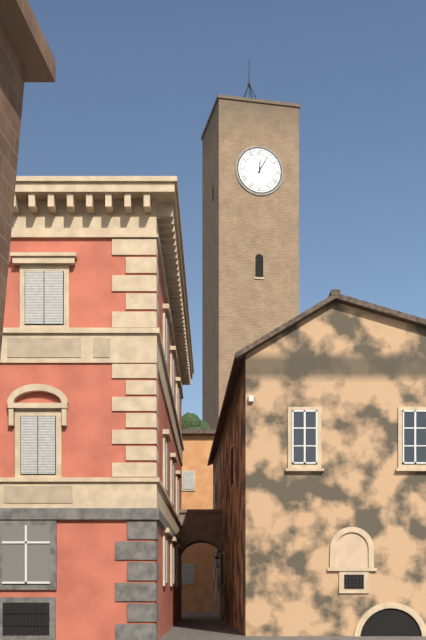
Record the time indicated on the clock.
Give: 12:05
